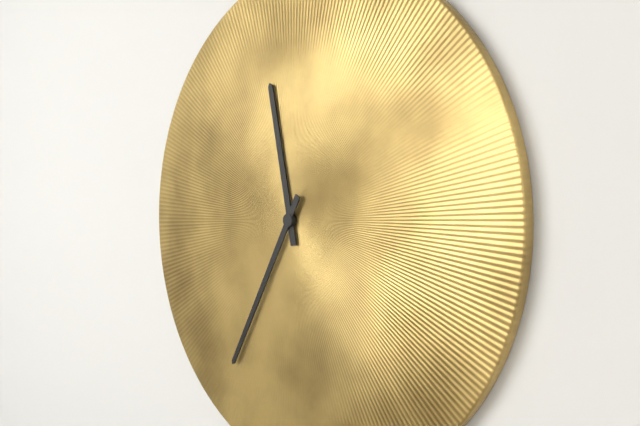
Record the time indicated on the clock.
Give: 11:35
